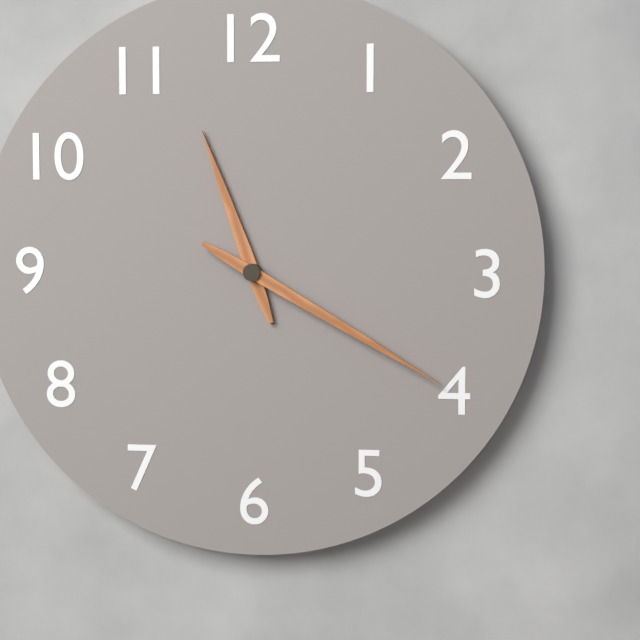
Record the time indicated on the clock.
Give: 11:20
